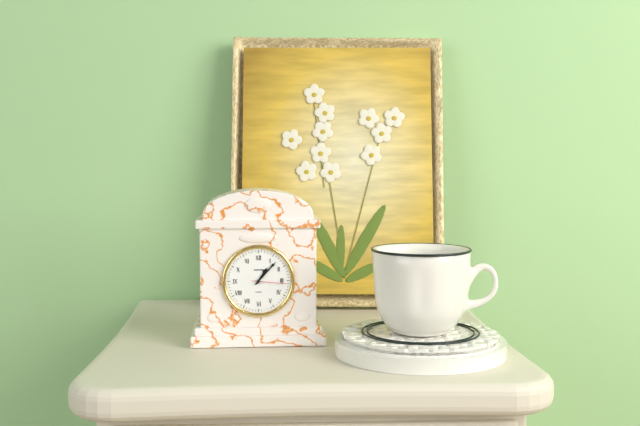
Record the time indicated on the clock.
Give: 1:07
